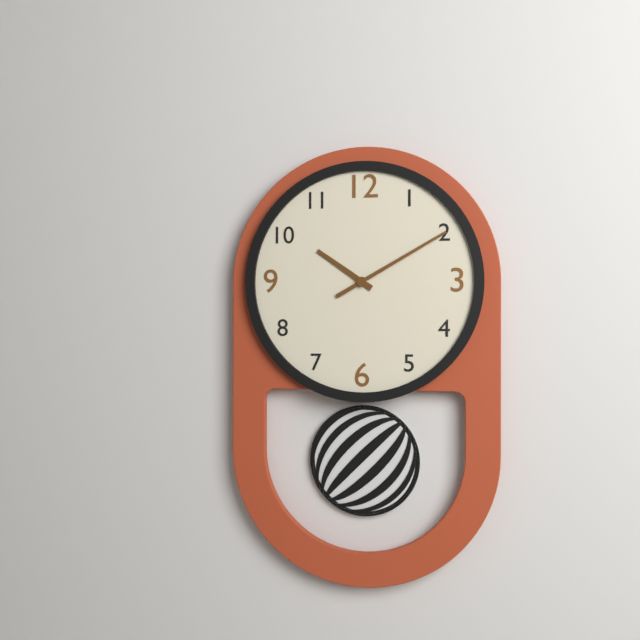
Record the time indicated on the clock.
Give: 10:10
